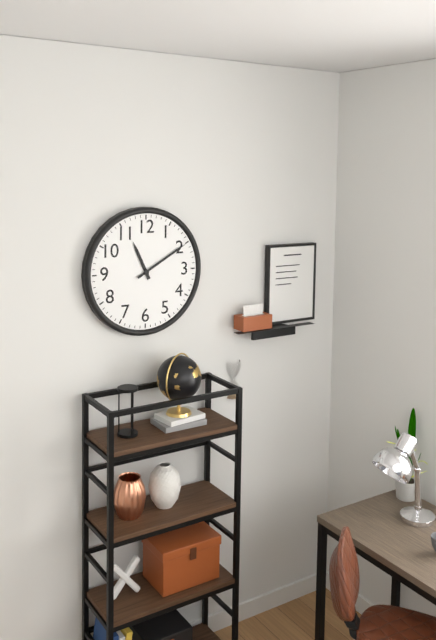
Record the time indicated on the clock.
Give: 11:10
